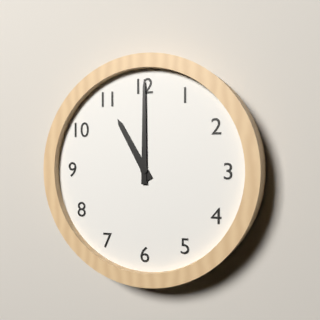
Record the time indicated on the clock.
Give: 11:00
